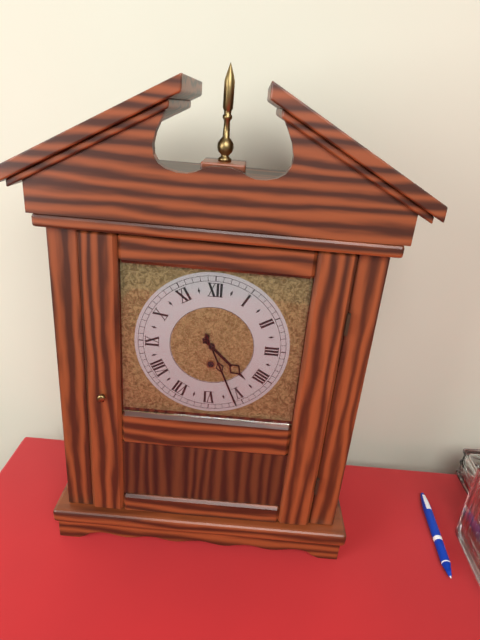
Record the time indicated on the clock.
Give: 4:26
